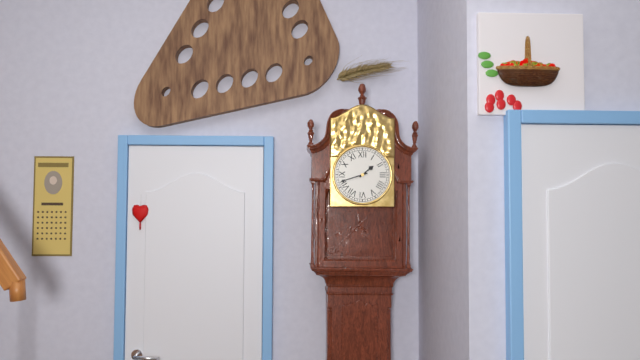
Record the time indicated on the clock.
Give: 1:42
